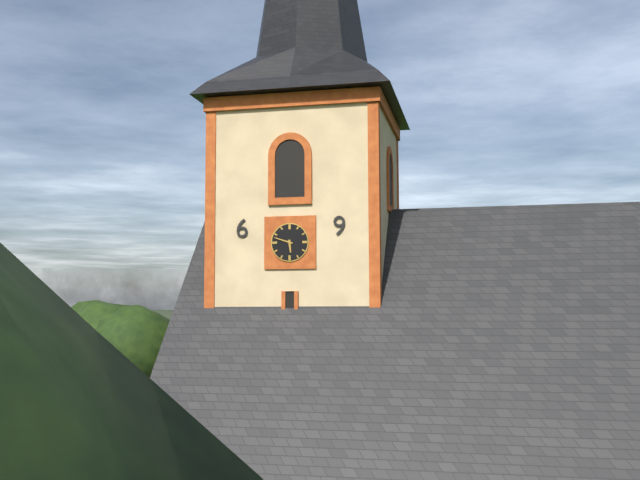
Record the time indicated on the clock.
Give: 5:48
